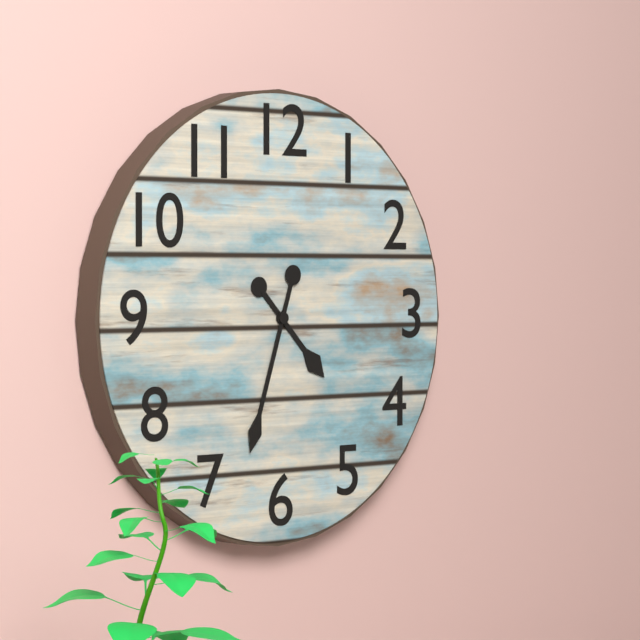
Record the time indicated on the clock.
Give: 4:33
